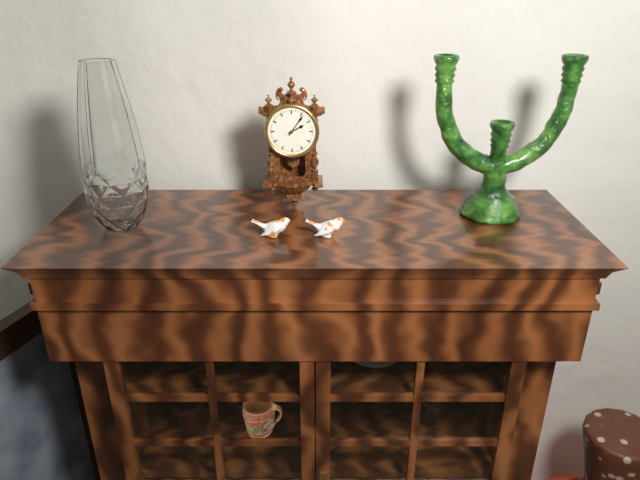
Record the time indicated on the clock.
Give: 2:06
